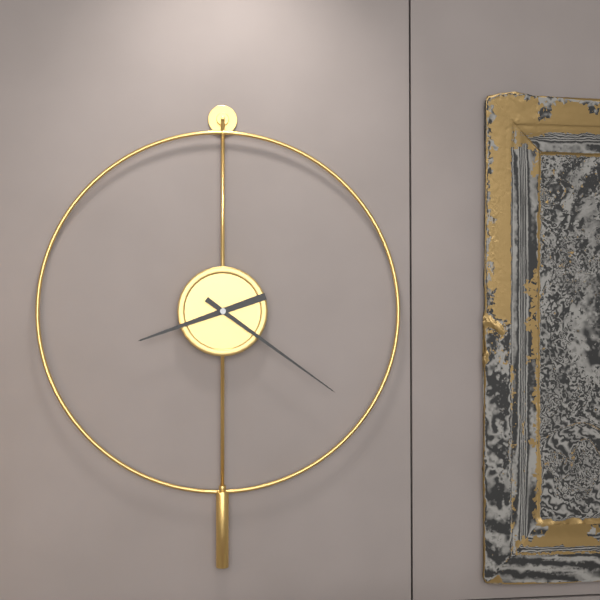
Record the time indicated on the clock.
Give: 8:21
